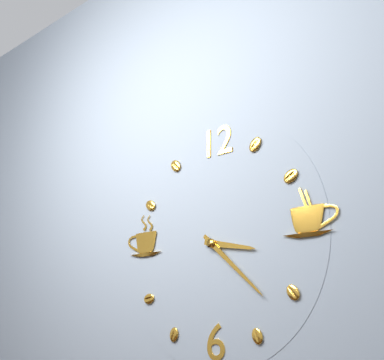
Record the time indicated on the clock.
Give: 3:22
